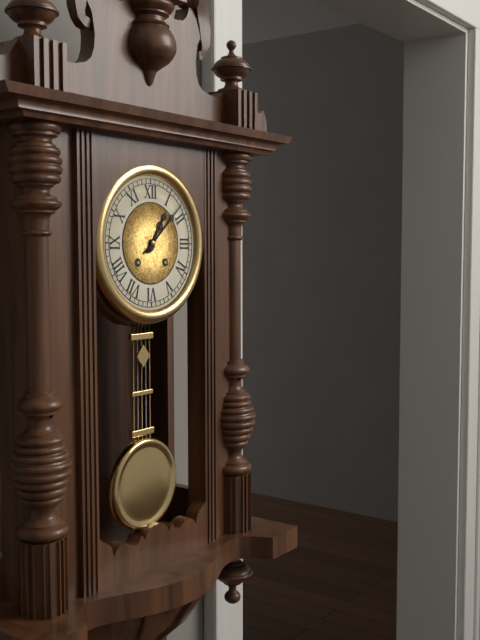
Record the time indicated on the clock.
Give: 1:08
